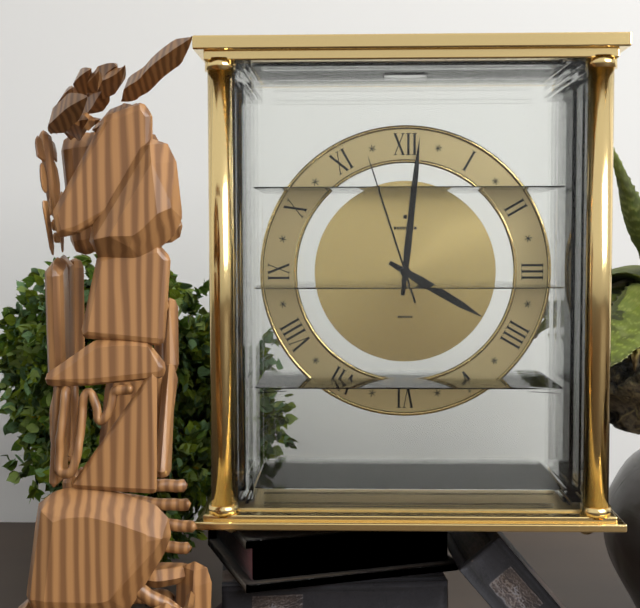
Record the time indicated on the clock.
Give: 4:01:57
